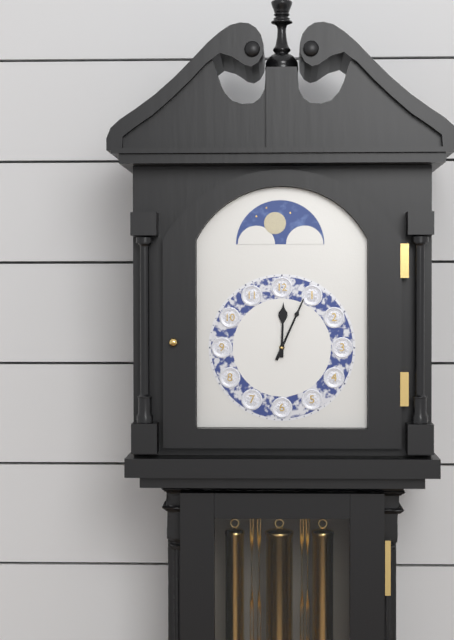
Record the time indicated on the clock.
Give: 12:04
